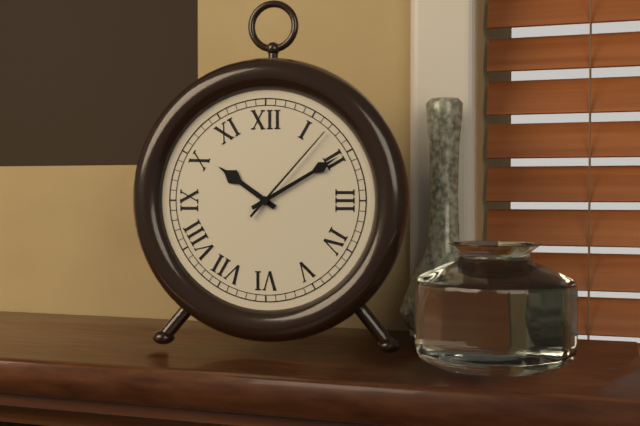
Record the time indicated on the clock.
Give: 10:10:07
